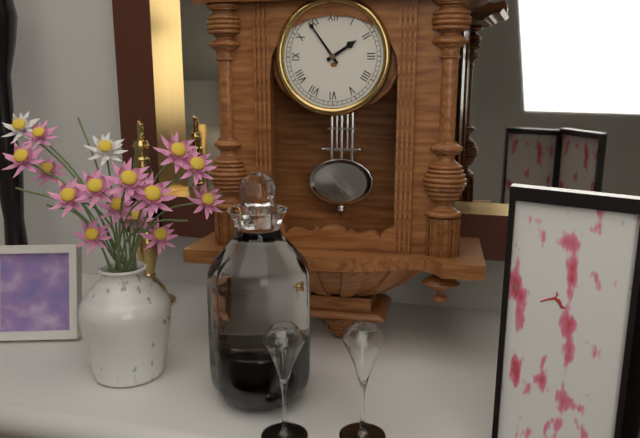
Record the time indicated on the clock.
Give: 1:54
